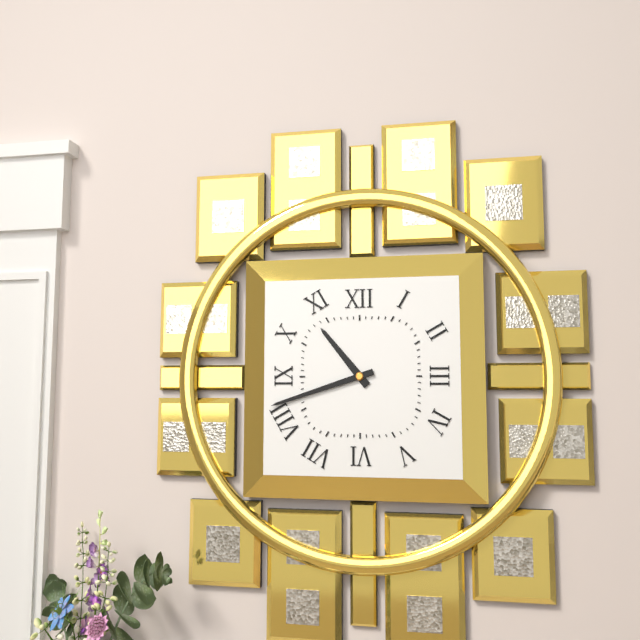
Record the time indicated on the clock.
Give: 10:42
